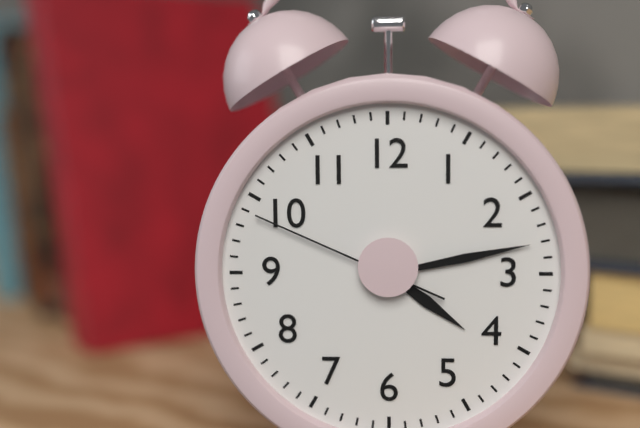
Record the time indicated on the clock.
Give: 4:13:49
